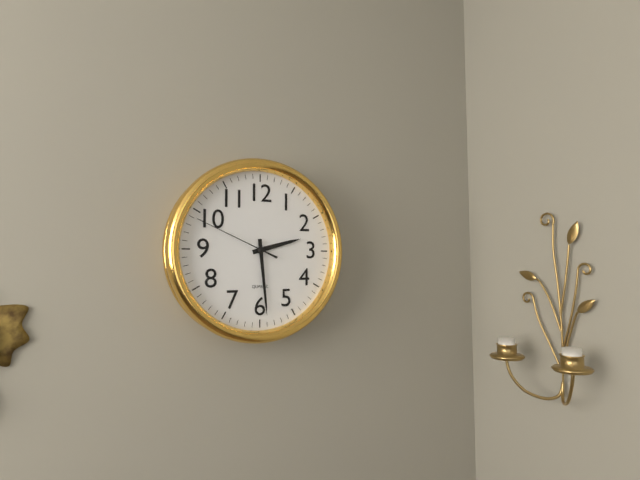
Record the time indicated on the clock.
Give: 2:29:49
